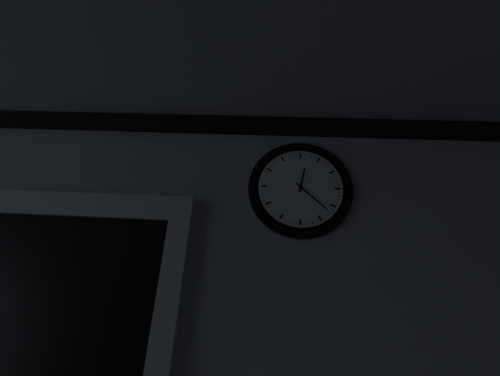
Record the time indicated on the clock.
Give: 12:22
